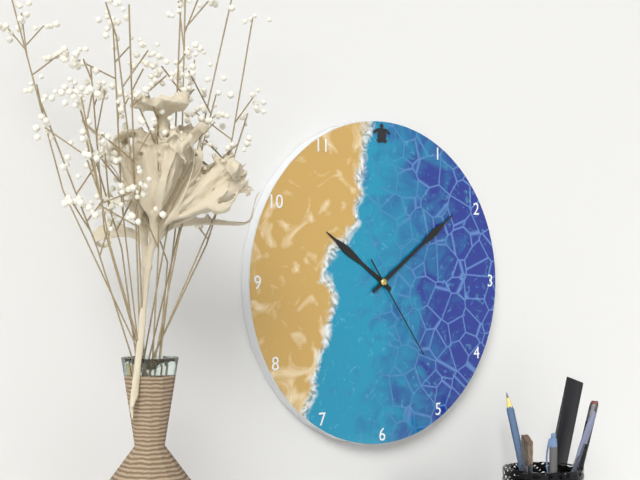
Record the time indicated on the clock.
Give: 10:09:24
